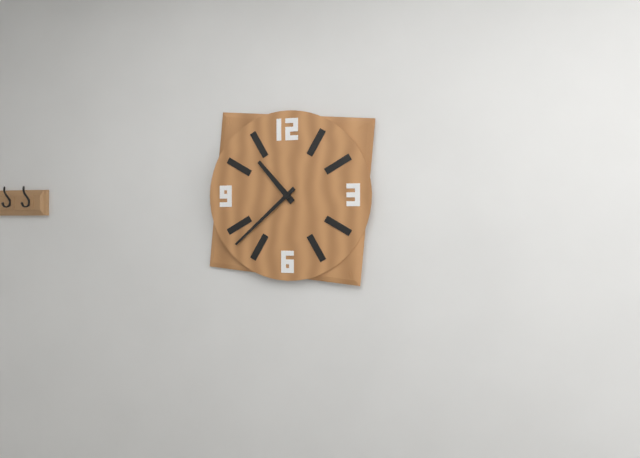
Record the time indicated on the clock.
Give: 10:38
